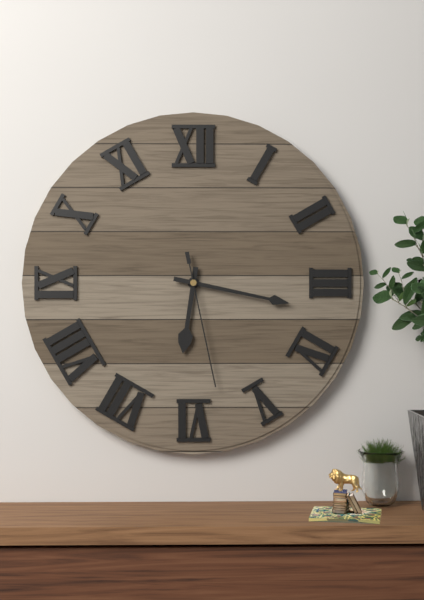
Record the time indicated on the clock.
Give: 6:17:28
